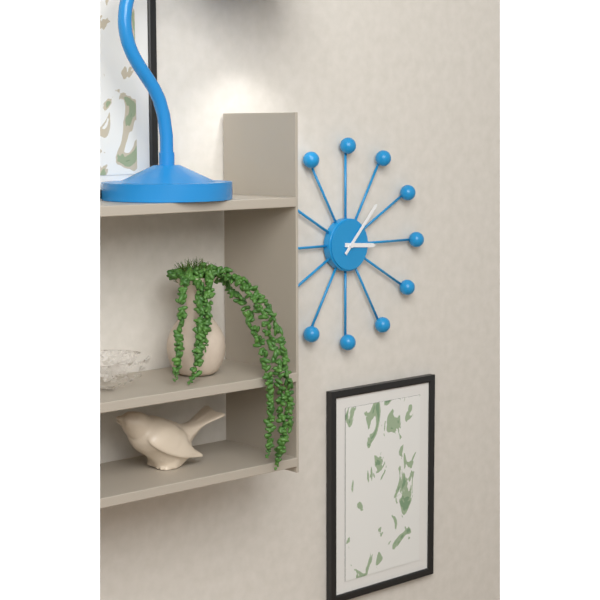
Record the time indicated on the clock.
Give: 3:07
